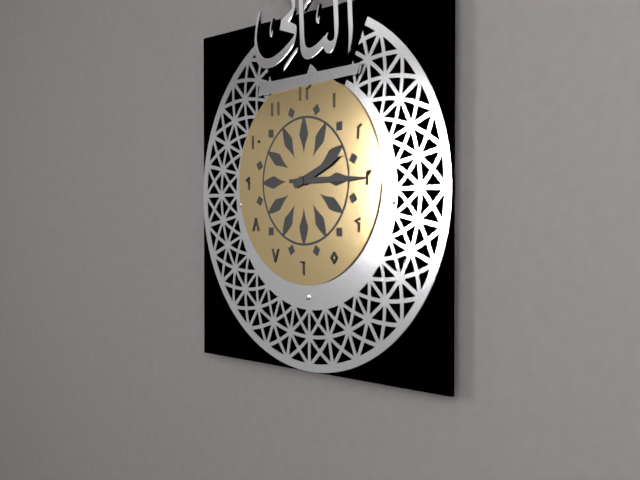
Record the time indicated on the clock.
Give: 2:15
